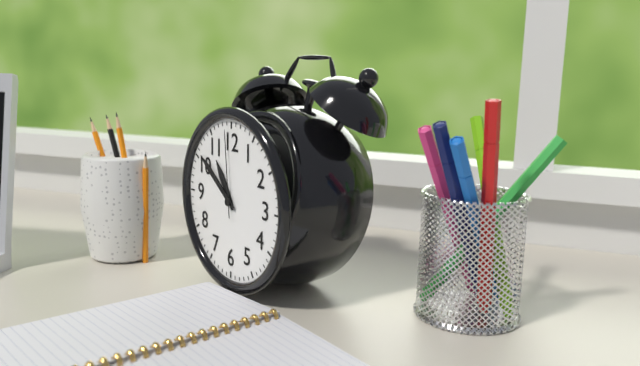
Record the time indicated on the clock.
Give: 10:51:59
